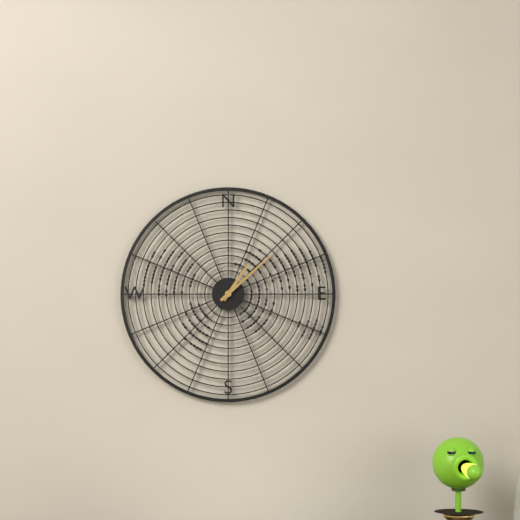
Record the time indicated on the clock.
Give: 1:08
